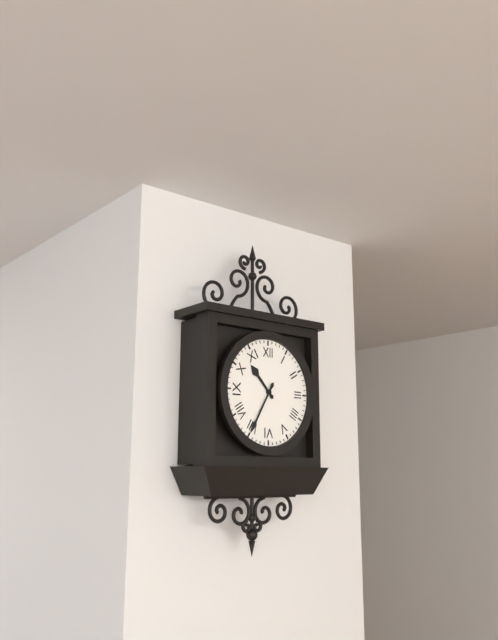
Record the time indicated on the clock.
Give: 10:35
